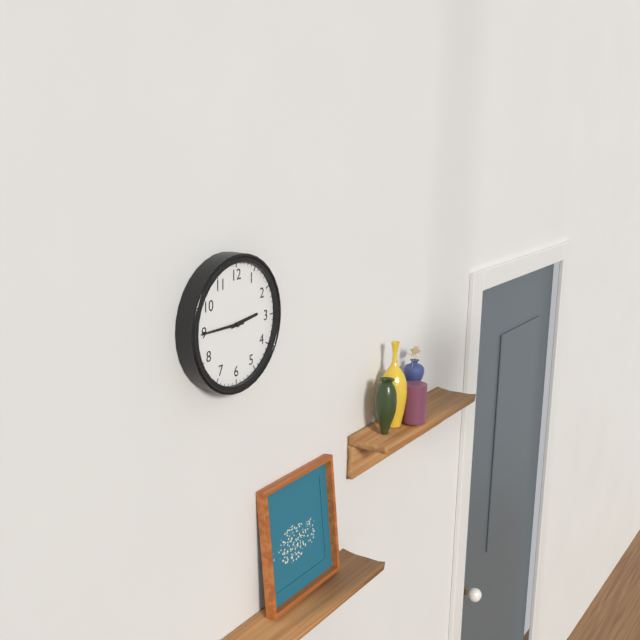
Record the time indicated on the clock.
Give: 2:45
